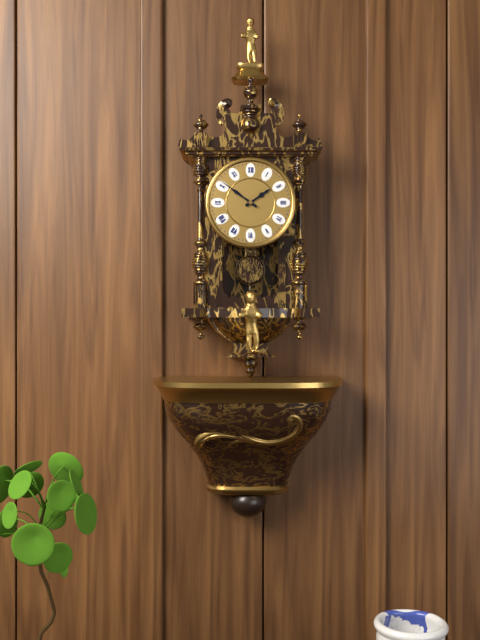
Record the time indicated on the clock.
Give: 1:51
